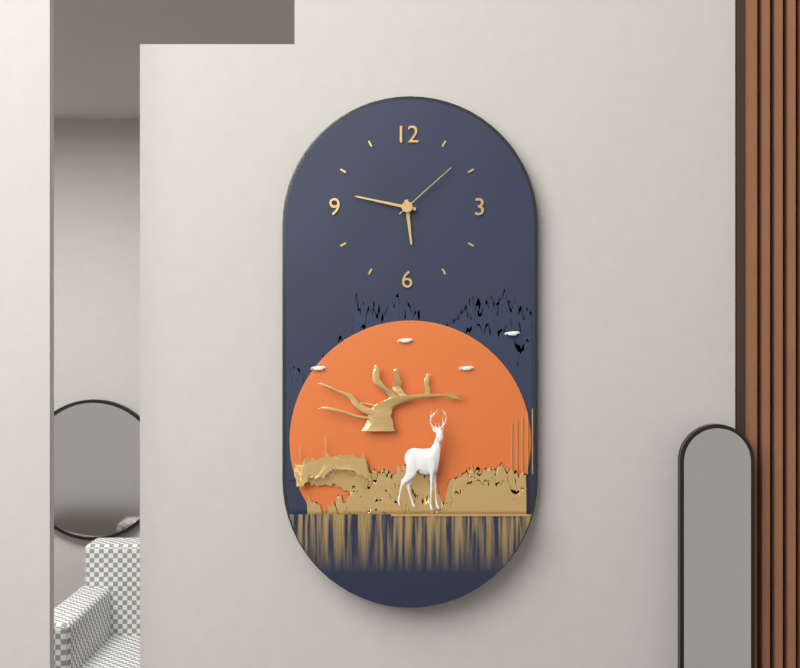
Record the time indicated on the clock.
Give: 5:47:08
